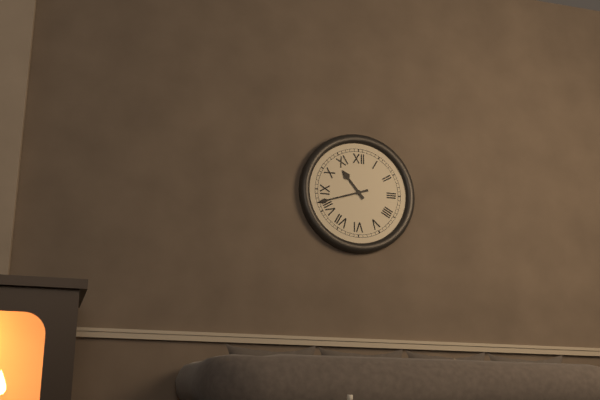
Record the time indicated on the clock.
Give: 10:42
